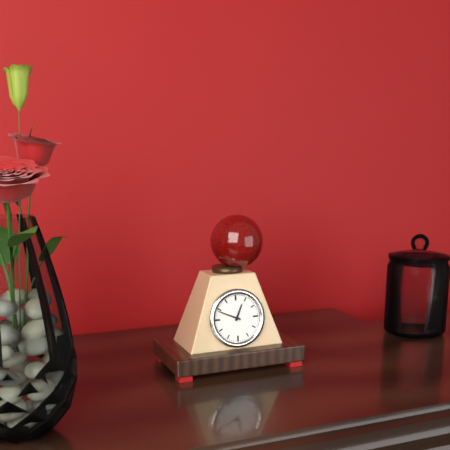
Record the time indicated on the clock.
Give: 12:49
